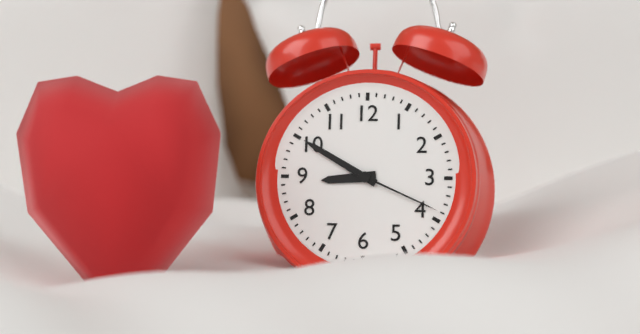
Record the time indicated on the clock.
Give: 8:50:19
